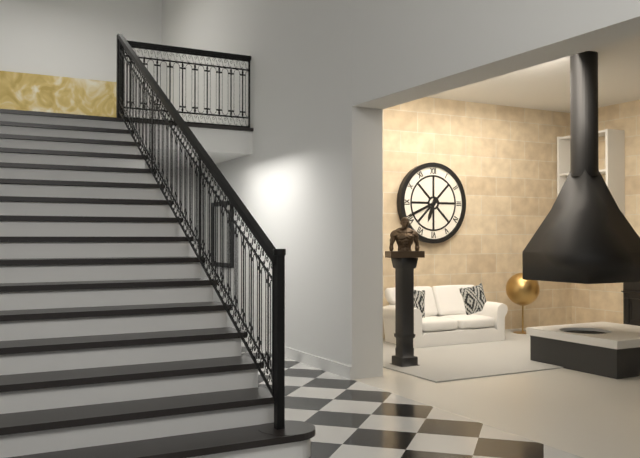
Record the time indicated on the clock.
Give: 6:41
